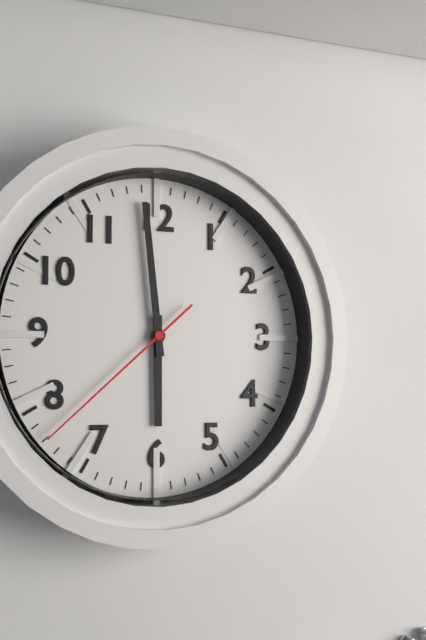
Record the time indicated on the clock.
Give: 5:59:38
